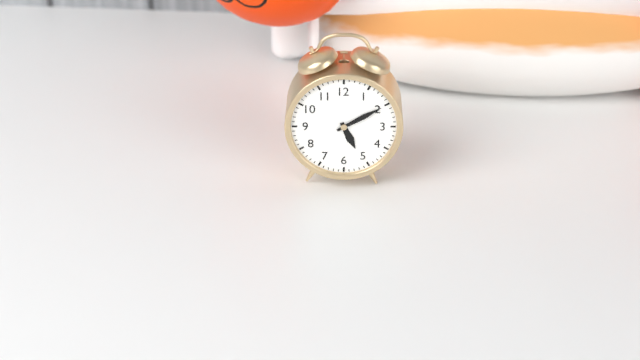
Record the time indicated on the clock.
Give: 5:10
